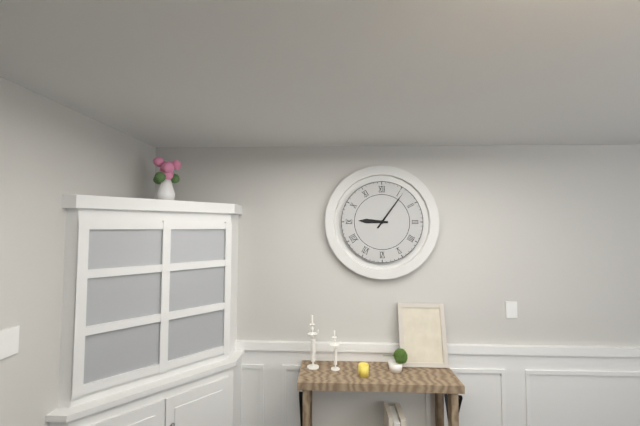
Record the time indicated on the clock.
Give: 9:06
